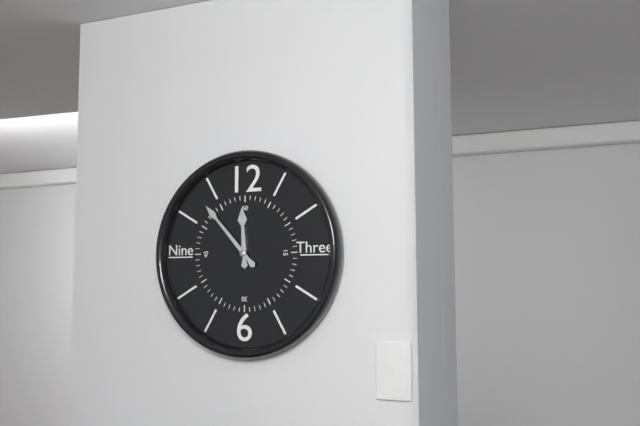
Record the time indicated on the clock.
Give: 11:53
